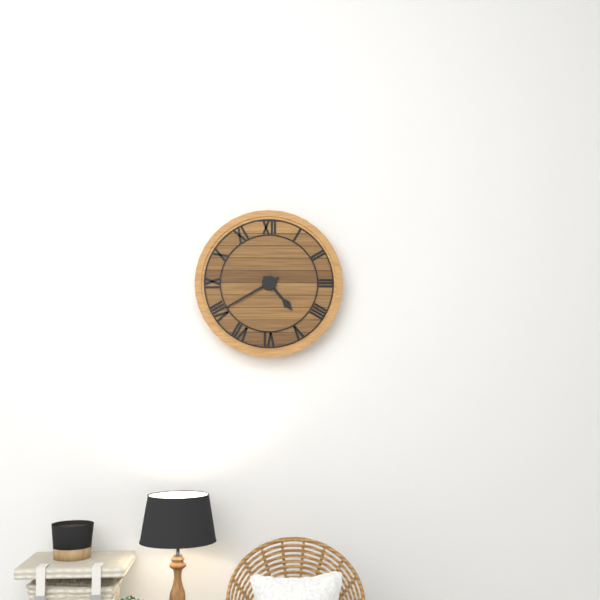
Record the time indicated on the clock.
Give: 4:40
